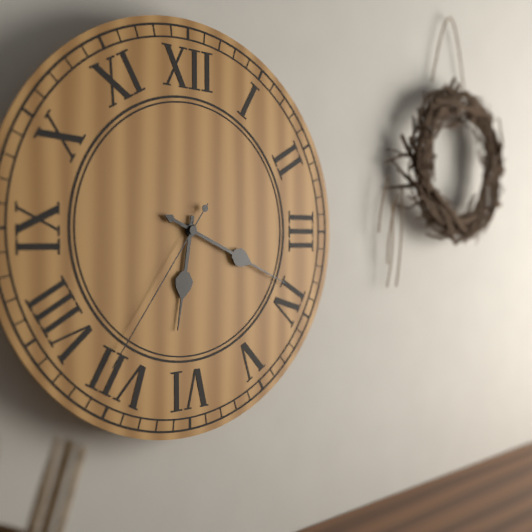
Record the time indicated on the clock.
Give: 6:19:36
